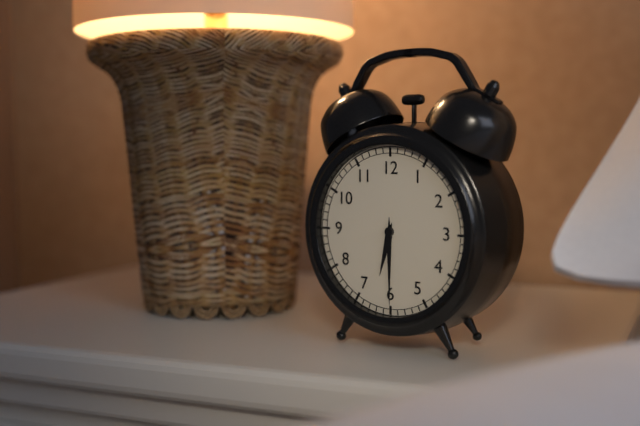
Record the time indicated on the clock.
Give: 6:30
